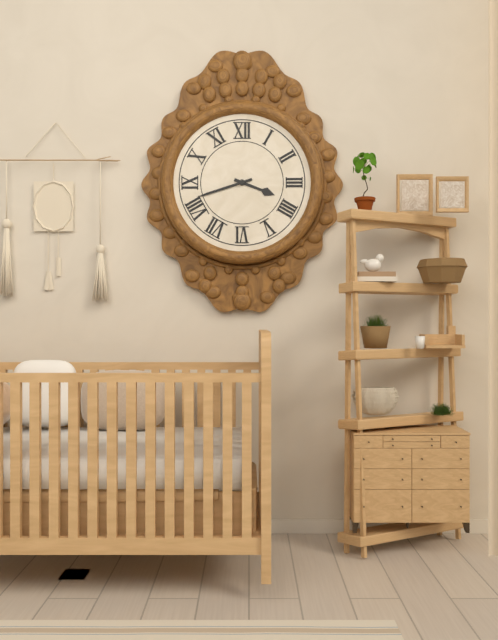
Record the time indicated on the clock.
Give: 3:42
